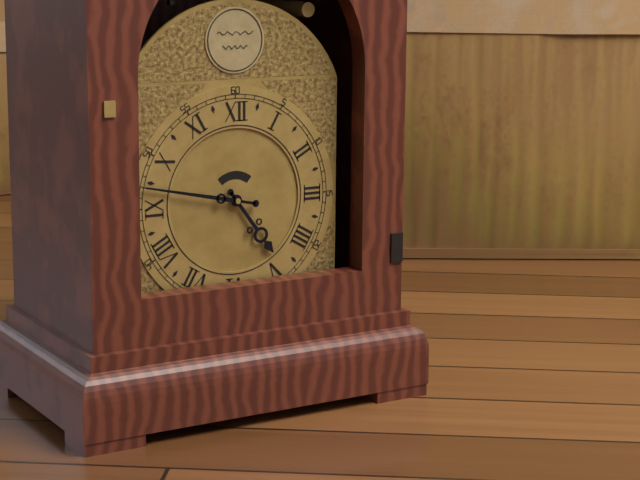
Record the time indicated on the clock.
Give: 4:47
